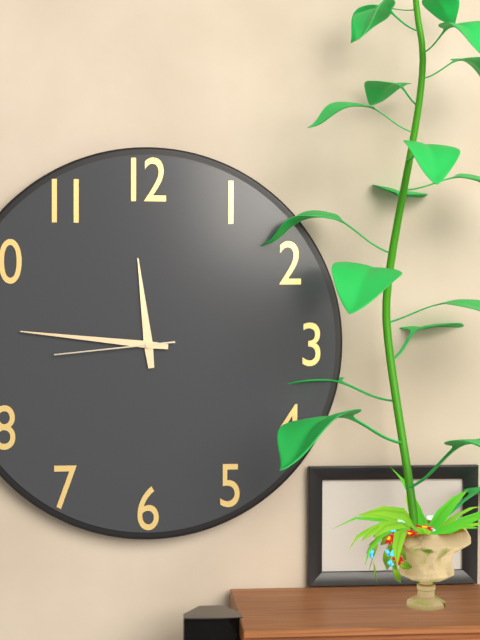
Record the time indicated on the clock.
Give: 11:46:44
